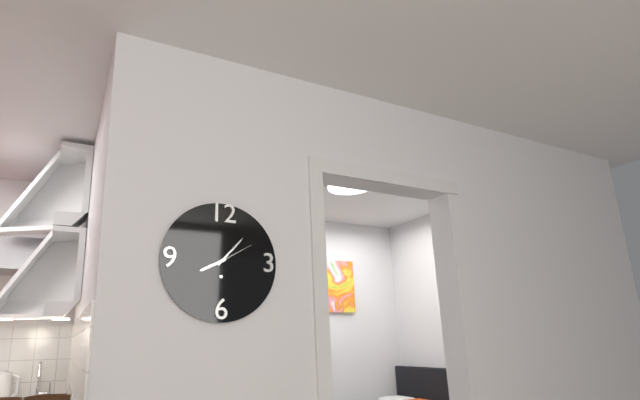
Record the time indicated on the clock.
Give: 8:07
